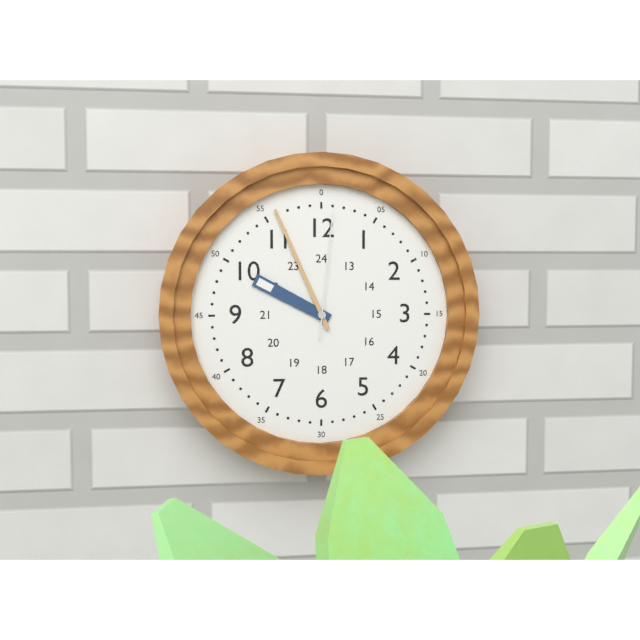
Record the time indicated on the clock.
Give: 9:56:01
